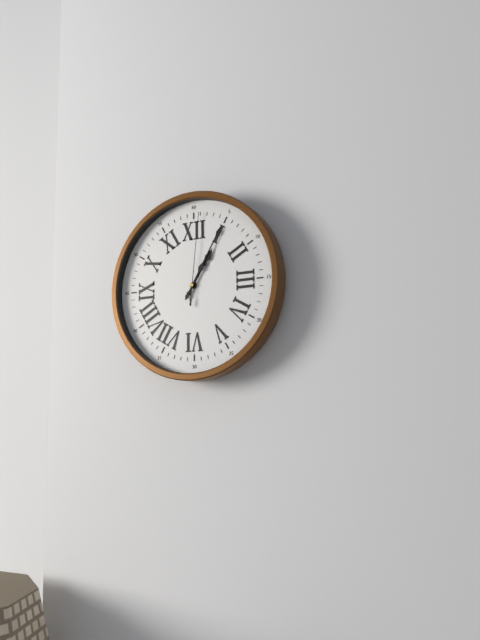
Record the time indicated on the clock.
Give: 1:05:01
